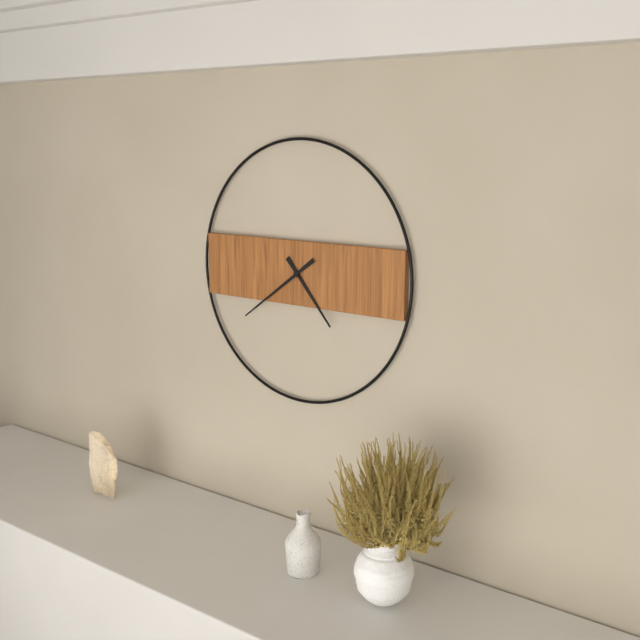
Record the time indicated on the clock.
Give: 4:39
